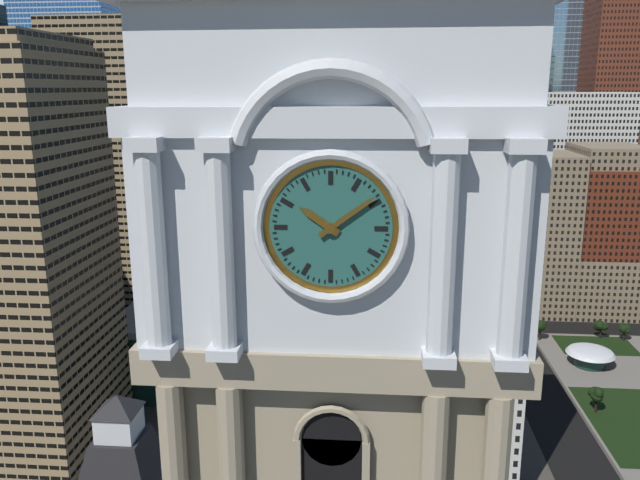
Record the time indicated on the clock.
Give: 10:09
